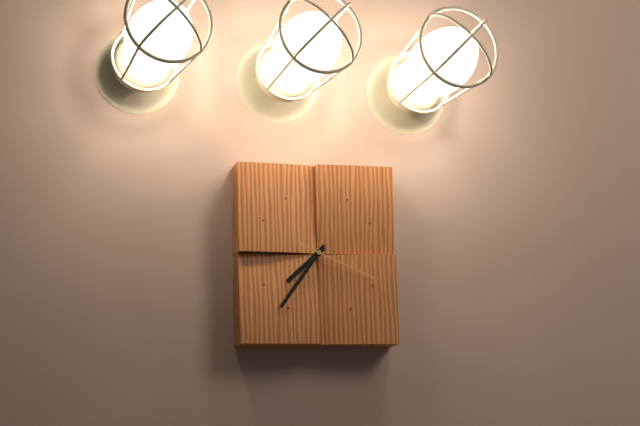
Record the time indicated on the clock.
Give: 7:36:19
